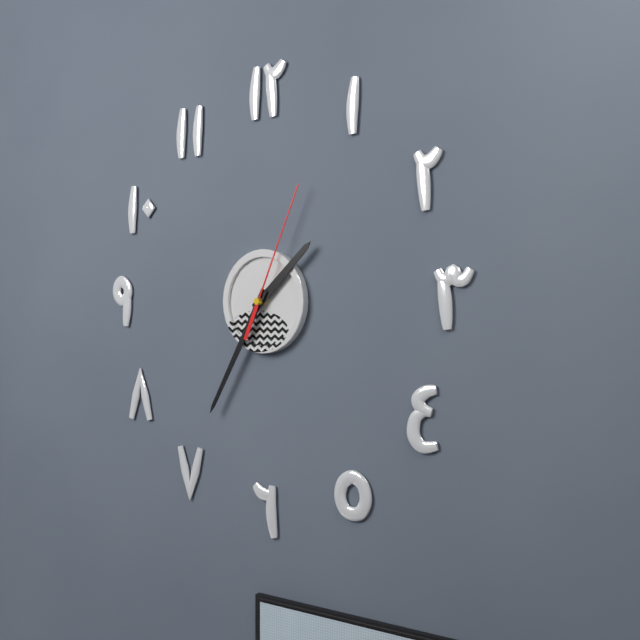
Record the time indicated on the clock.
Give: 1:35:04
